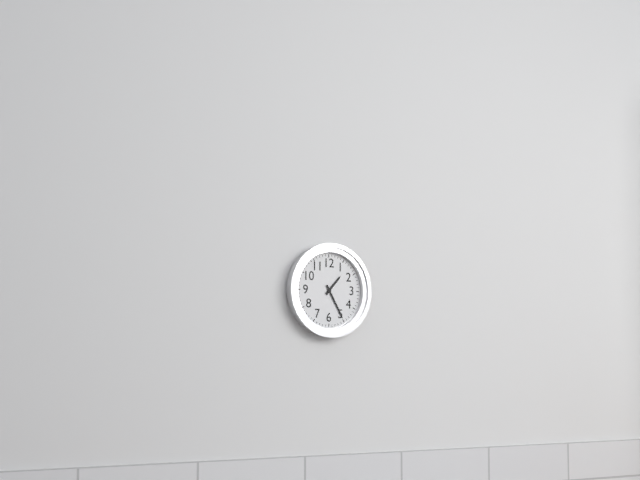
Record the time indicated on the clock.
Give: 1:25
